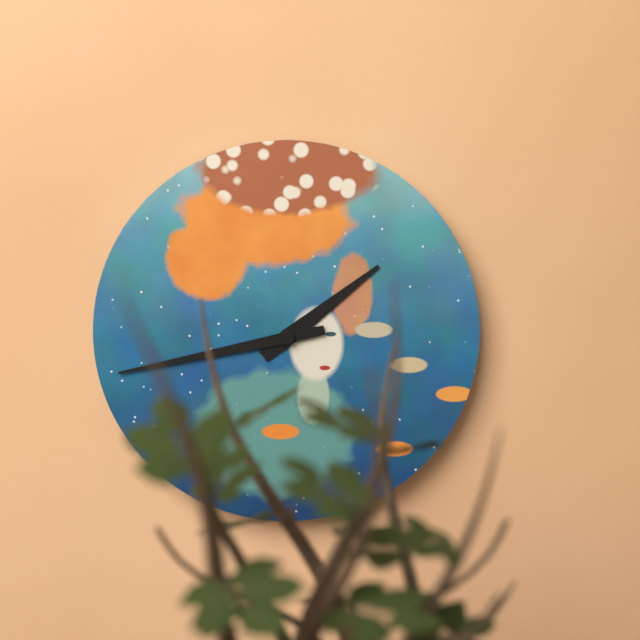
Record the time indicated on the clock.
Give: 1:43
